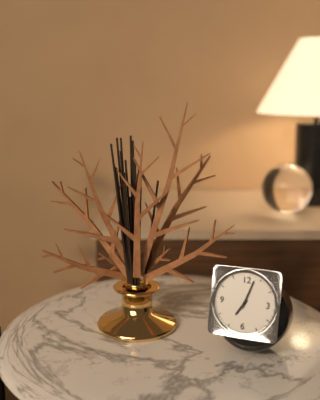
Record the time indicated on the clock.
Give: 7:03
